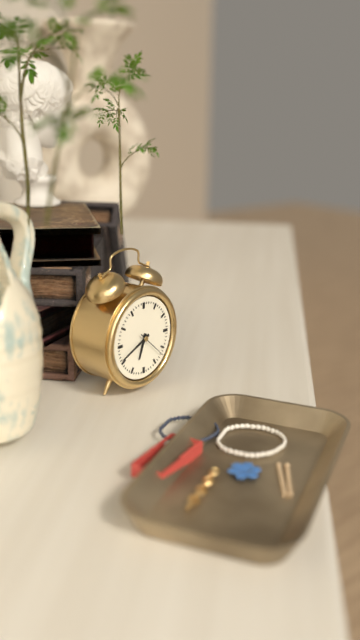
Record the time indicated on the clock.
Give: 6:41
